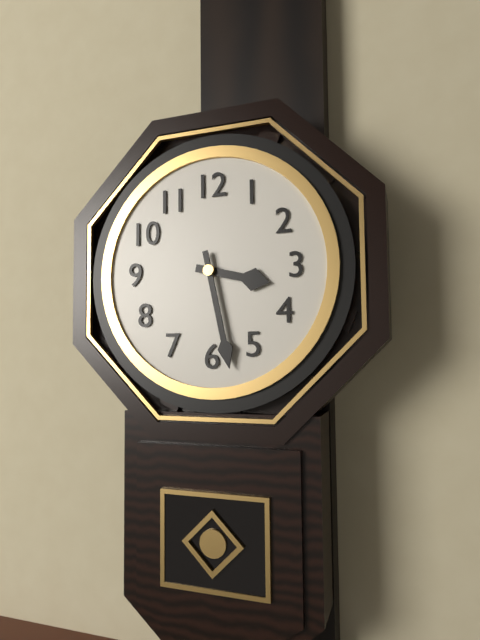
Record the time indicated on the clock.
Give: 3:28
